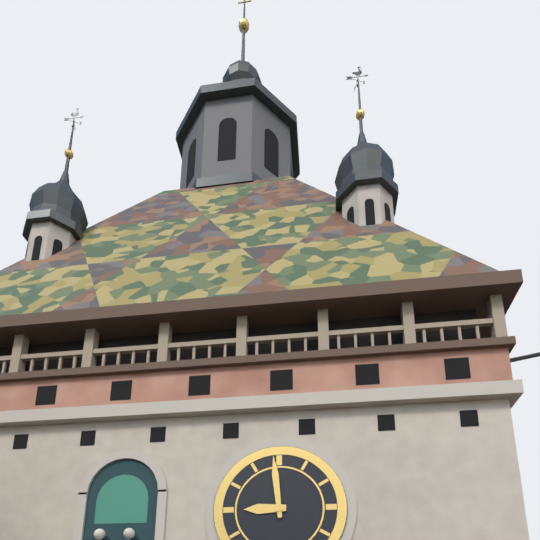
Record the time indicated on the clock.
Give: 8:59
